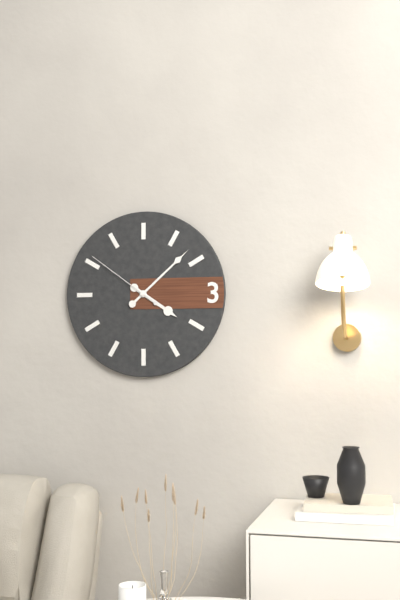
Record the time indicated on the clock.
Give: 4:08:51
